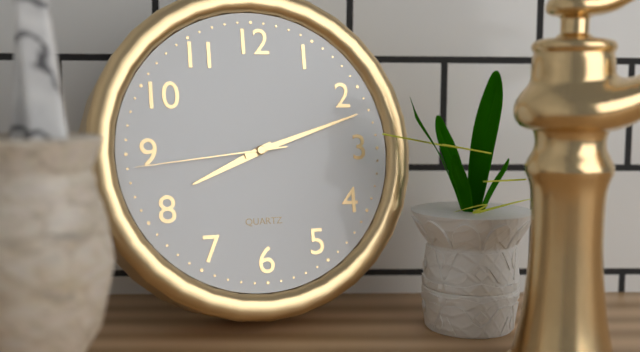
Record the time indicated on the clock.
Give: 8:12:44
